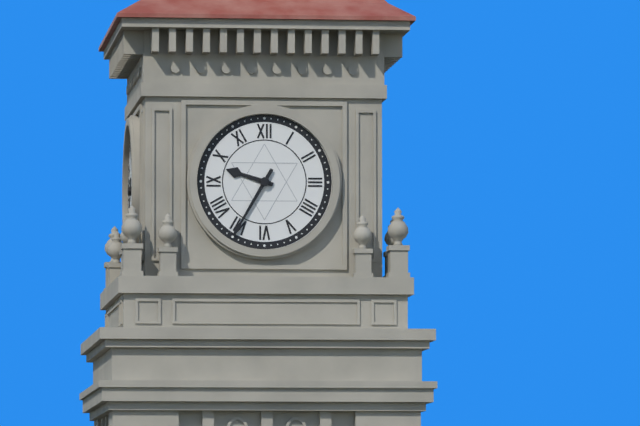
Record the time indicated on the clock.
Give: 9:35
